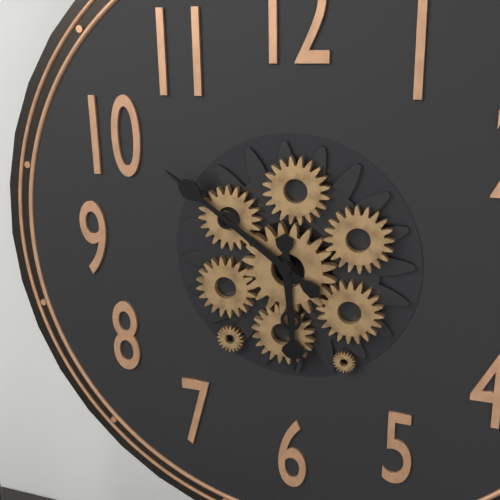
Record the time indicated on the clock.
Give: 5:51
